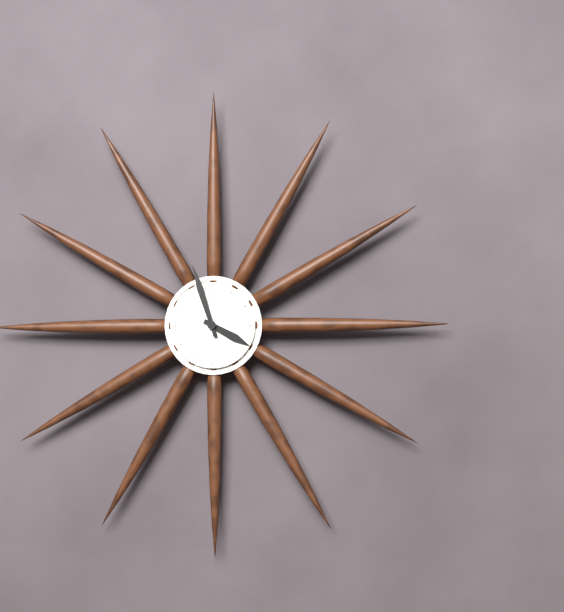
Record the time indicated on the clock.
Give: 3:57
